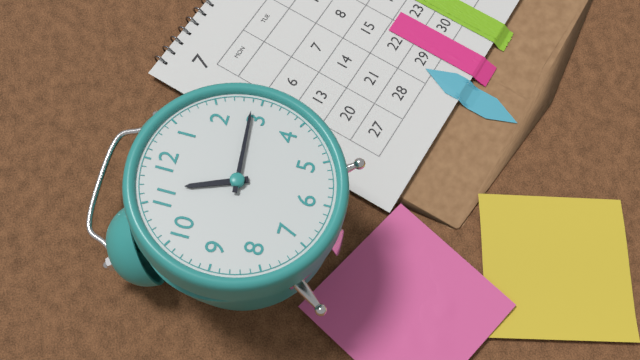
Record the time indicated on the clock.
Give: 11:14
